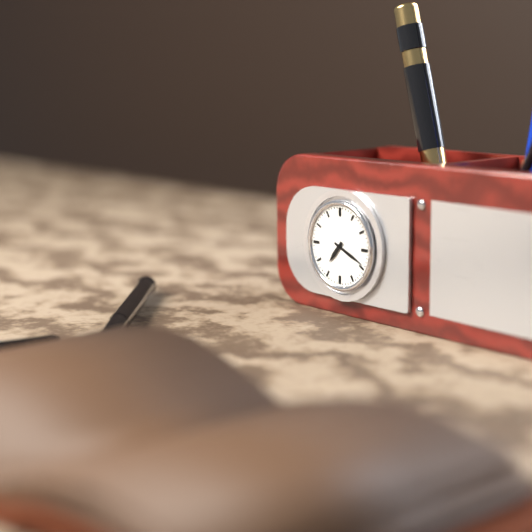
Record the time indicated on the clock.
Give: 7:19
